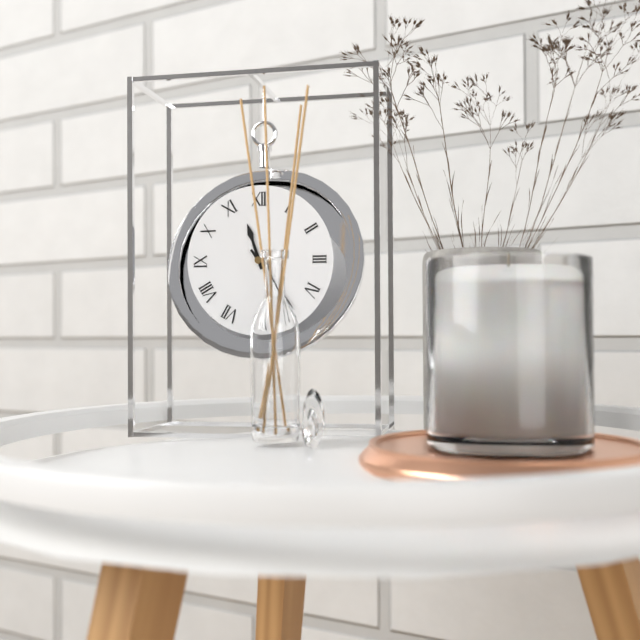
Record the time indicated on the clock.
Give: 11:24
